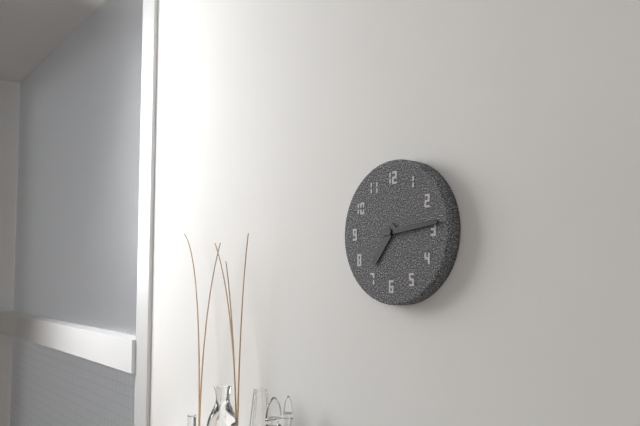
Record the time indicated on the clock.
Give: 7:14
